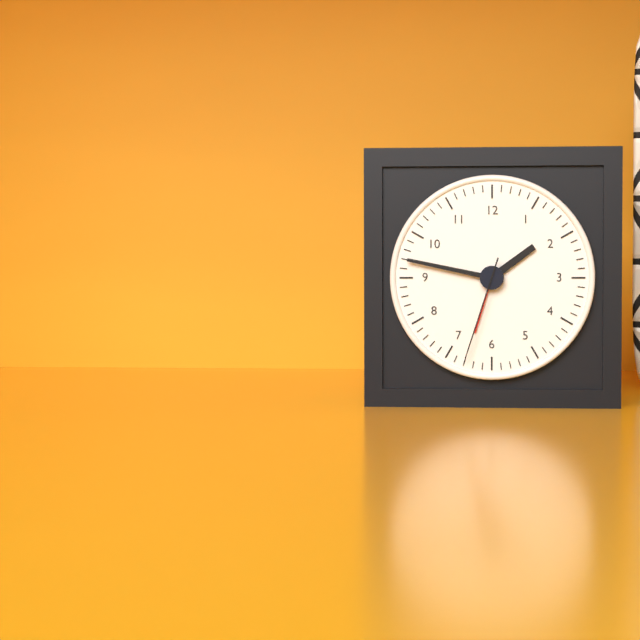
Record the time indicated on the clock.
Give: 1:47:33
